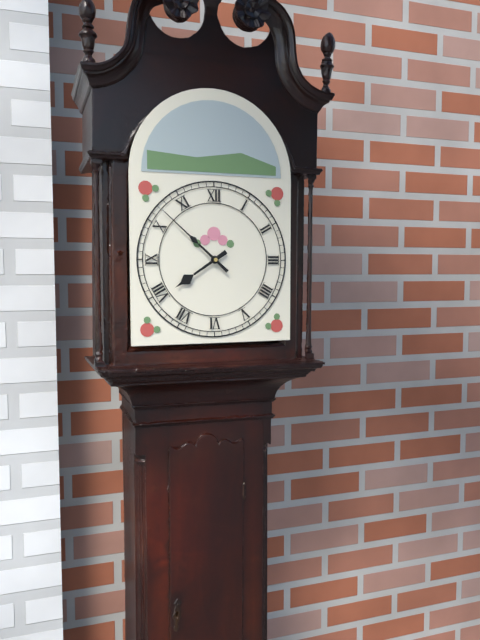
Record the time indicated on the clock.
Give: 7:52
